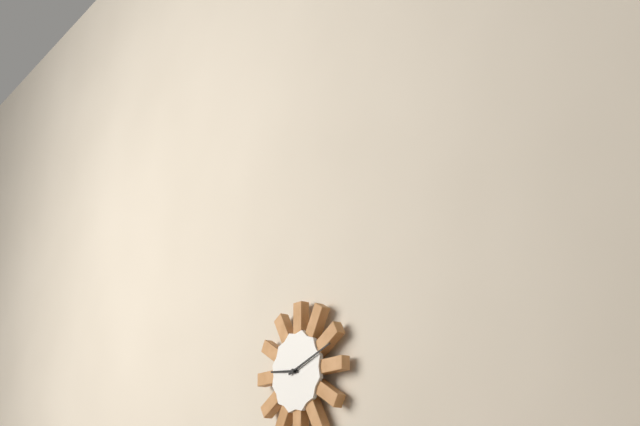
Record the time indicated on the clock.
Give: 9:12
